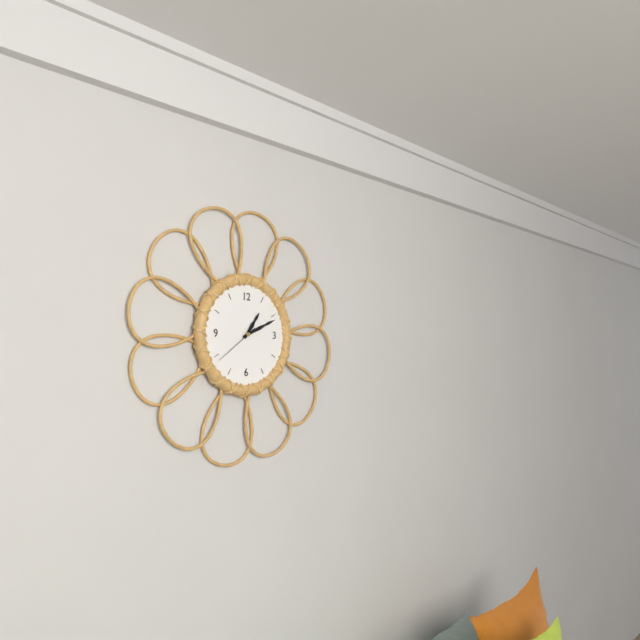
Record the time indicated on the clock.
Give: 1:11
